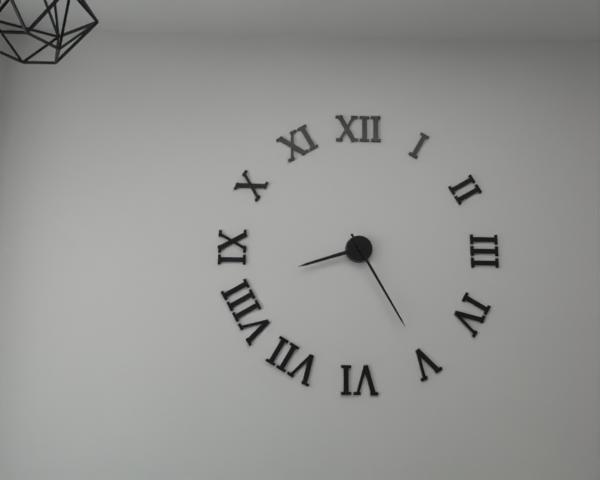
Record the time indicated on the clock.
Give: 8:25
